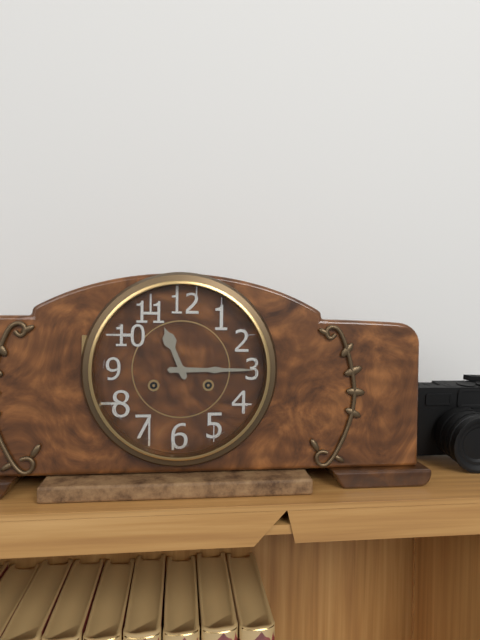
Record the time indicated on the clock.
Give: 11:15
